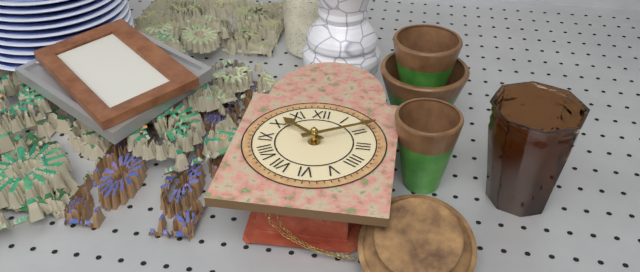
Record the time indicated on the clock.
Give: 10:10
